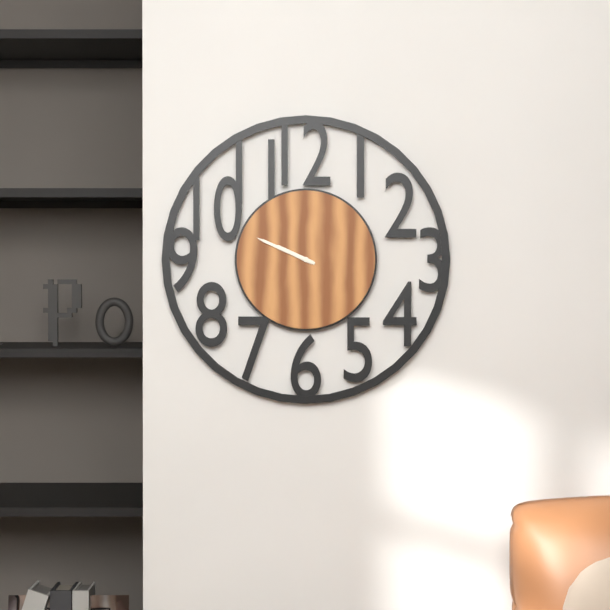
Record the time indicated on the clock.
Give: 9:49
